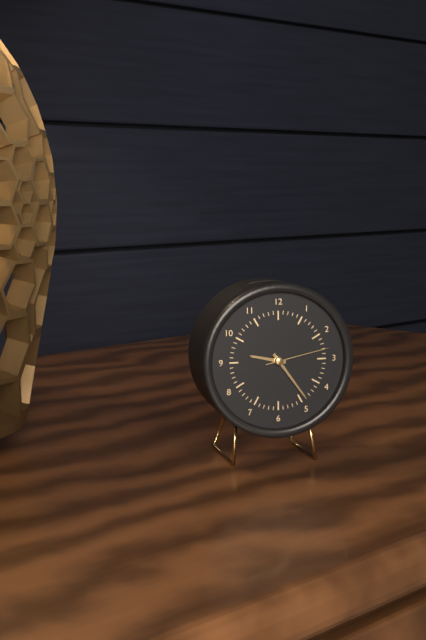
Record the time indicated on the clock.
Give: 9:24:13
